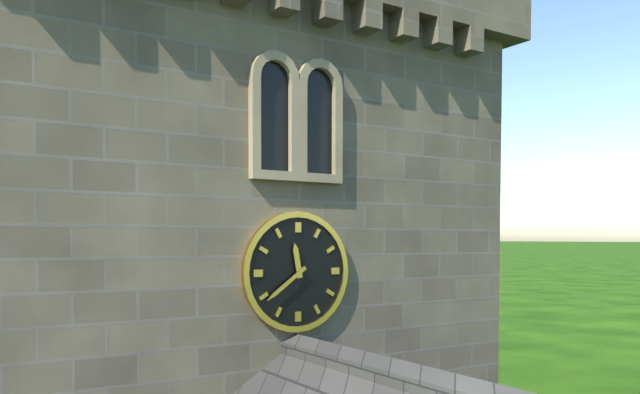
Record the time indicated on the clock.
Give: 11:39
